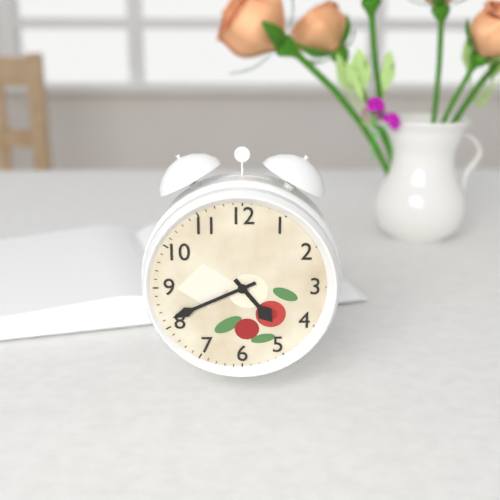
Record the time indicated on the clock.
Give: 4:41
